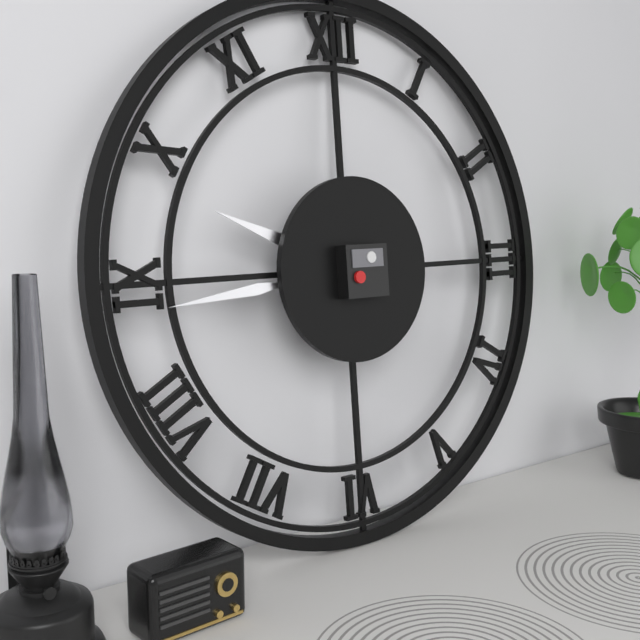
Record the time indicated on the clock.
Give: 9:44
